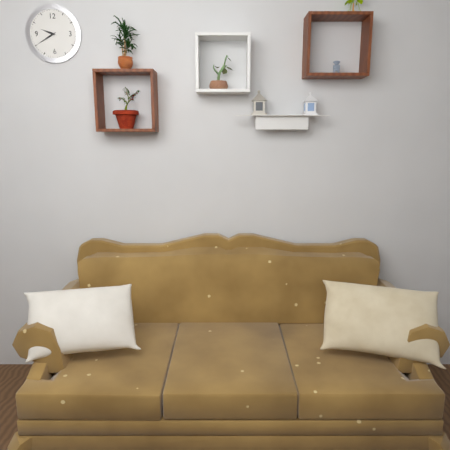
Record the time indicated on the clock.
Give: 9:40
